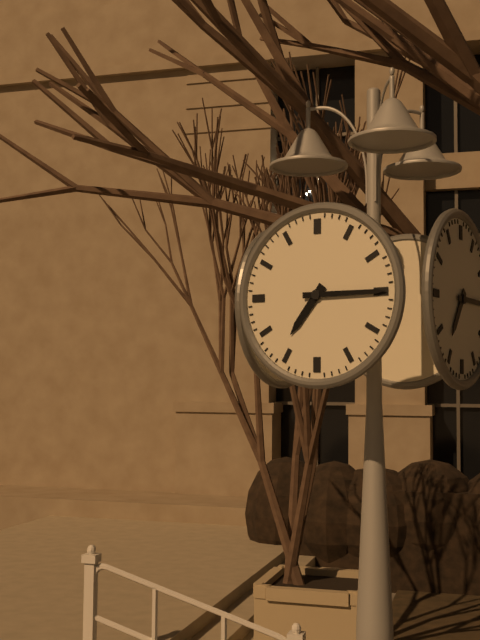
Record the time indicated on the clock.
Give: 7:15
